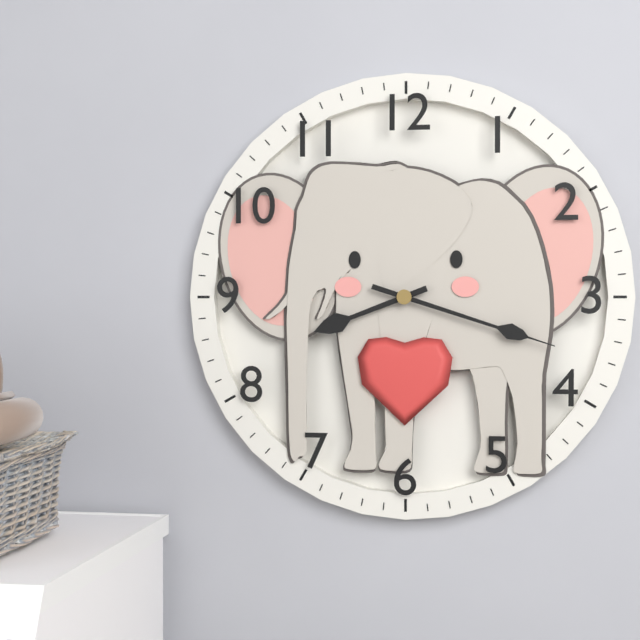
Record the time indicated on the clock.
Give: 8:18
